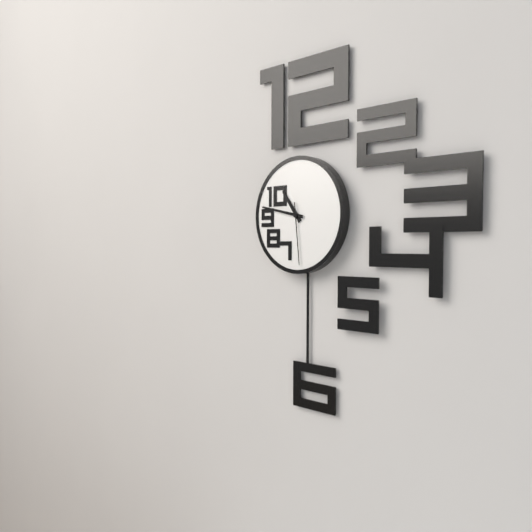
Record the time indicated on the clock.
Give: 10:47:29
